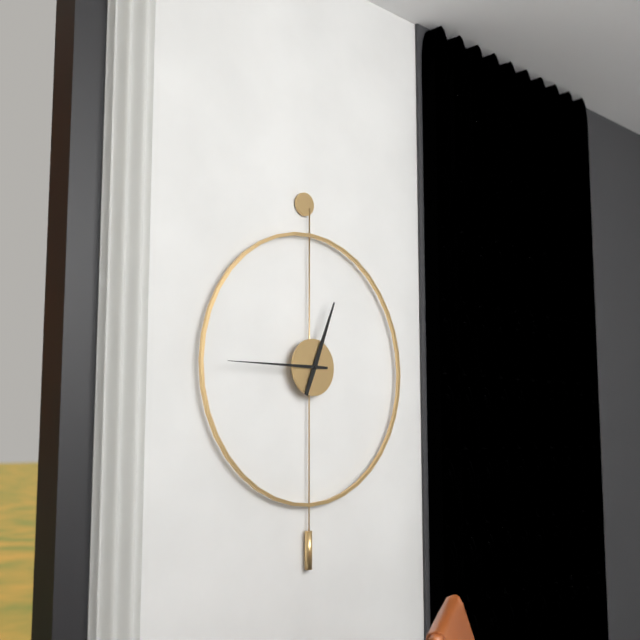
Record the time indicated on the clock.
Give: 12:45
